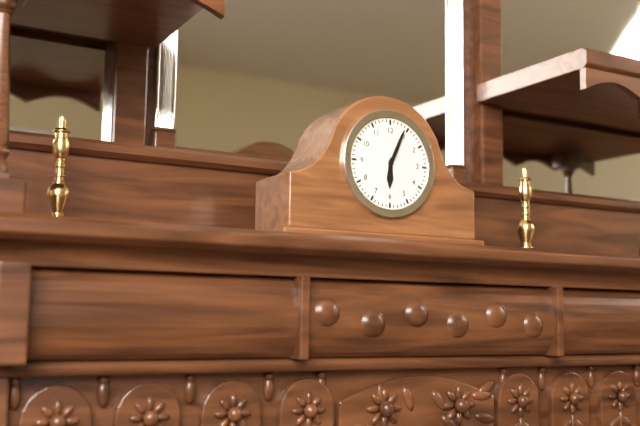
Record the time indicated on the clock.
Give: 6:04
